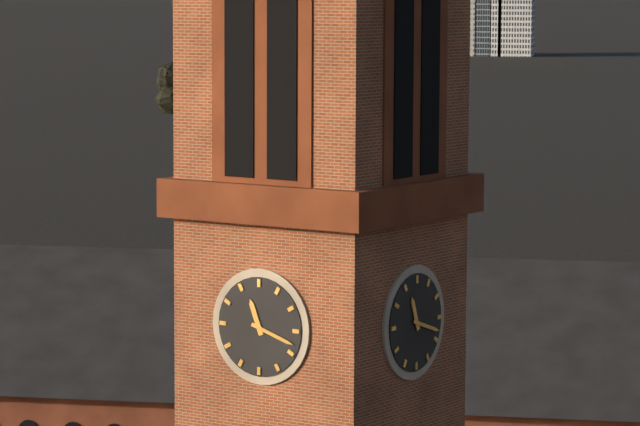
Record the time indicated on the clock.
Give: 11:18
